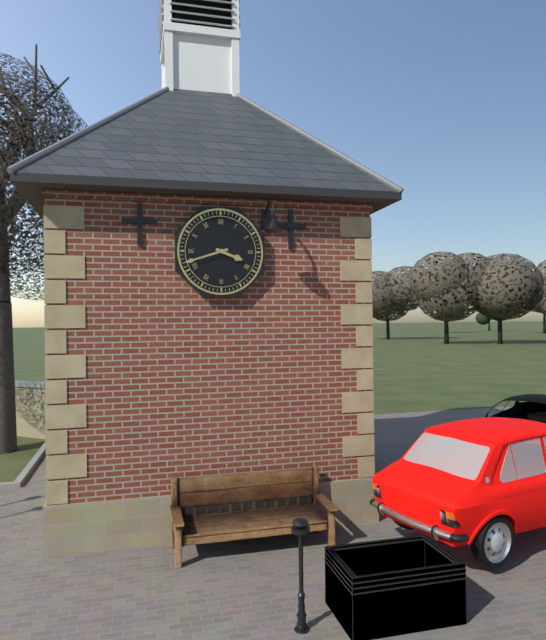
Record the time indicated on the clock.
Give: 3:42
